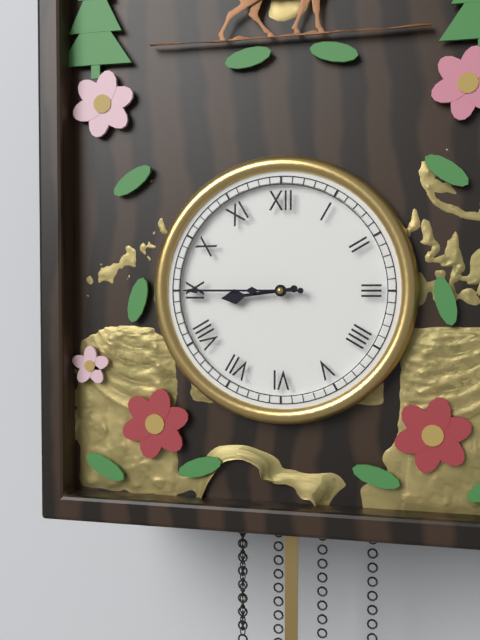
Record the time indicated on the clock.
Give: 8:45
